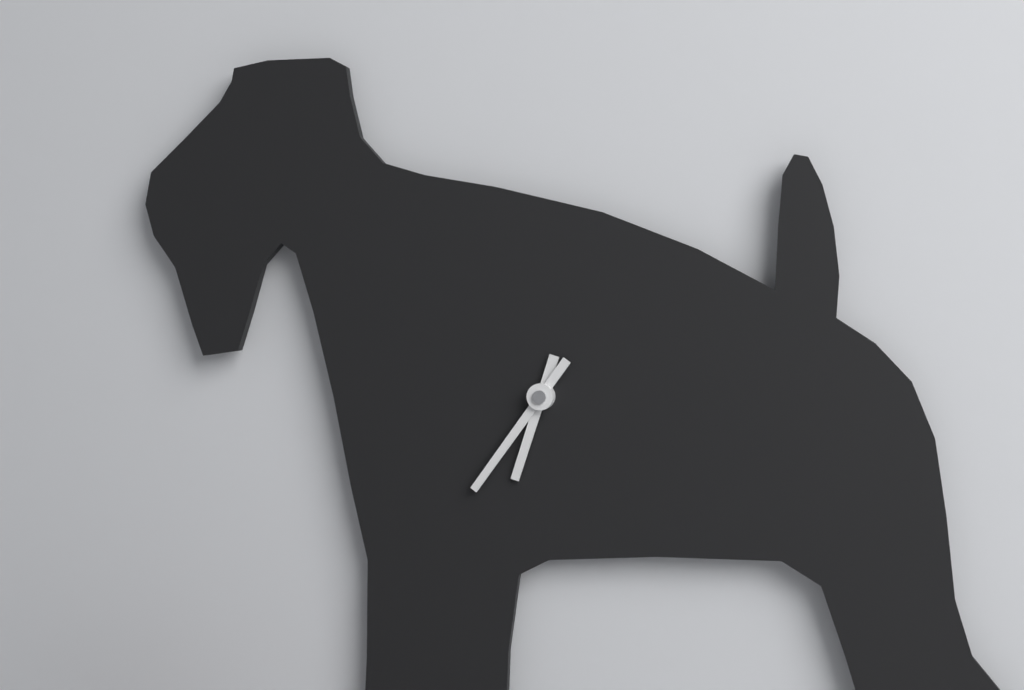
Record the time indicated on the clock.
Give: 6:36
